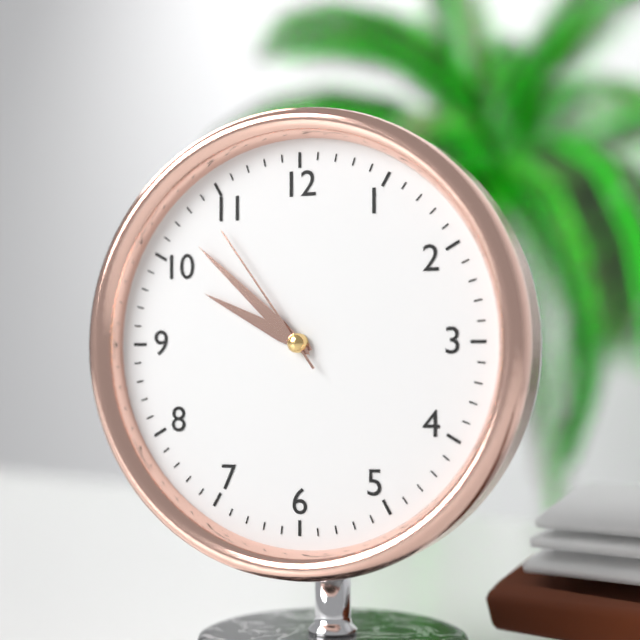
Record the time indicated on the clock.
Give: 9:52:54
